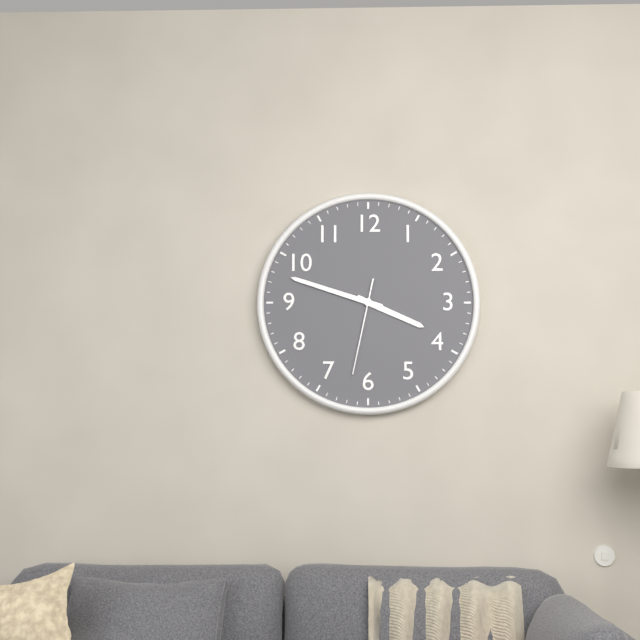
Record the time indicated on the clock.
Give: 3:48:32
